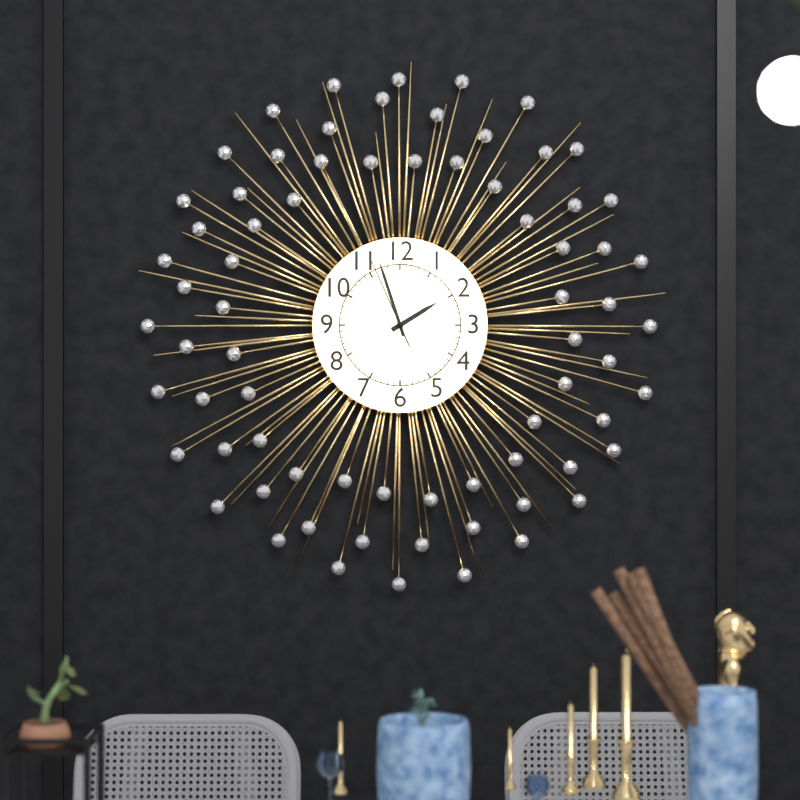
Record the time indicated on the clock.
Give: 1:57:56
